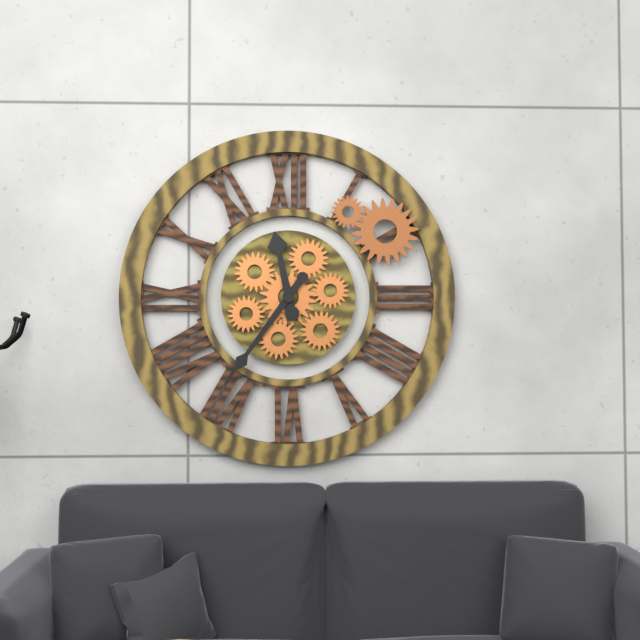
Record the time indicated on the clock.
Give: 11:36
